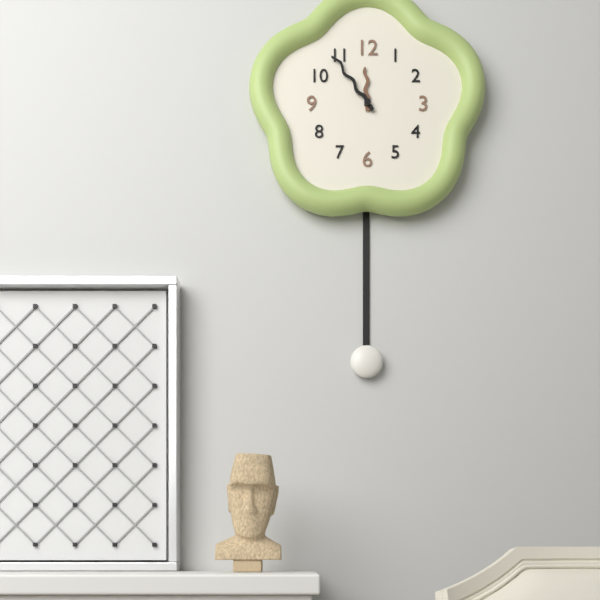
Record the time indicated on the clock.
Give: 11:54
